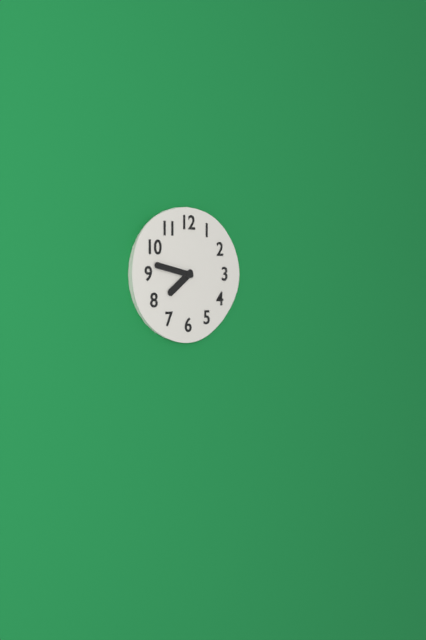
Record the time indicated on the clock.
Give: 7:47
